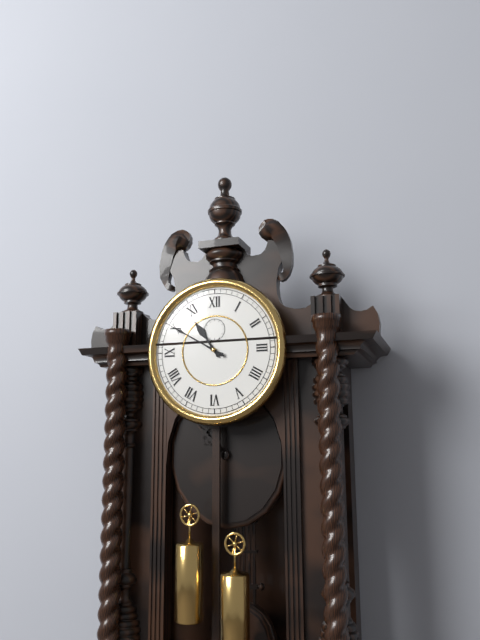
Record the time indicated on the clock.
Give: 10:50
